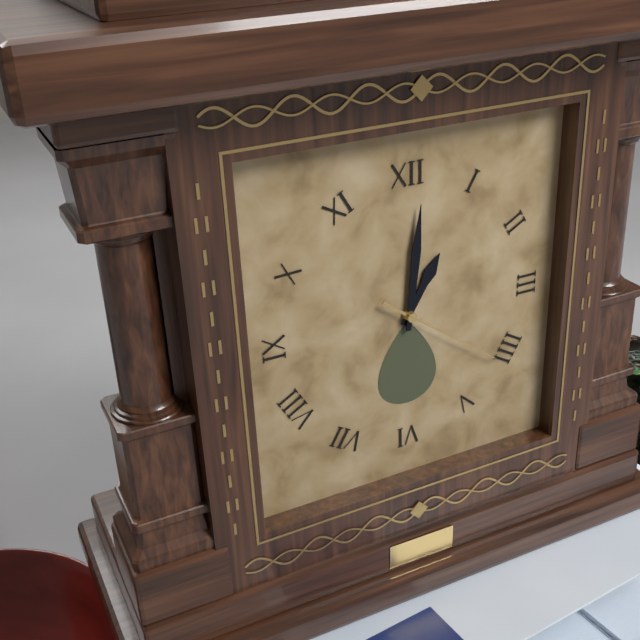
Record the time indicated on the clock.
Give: 1:01:21
